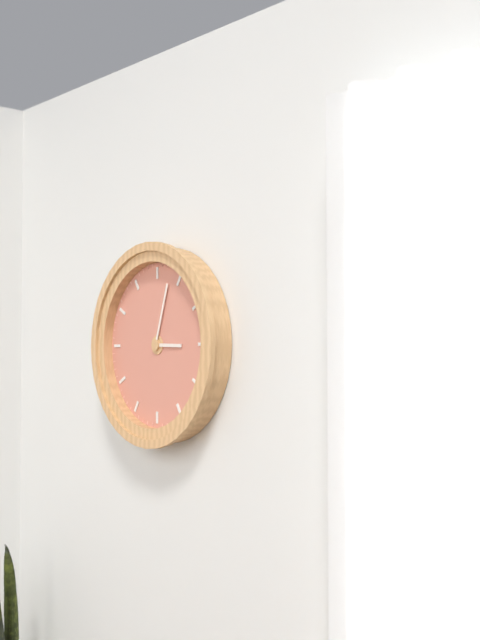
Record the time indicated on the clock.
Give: 3:03
